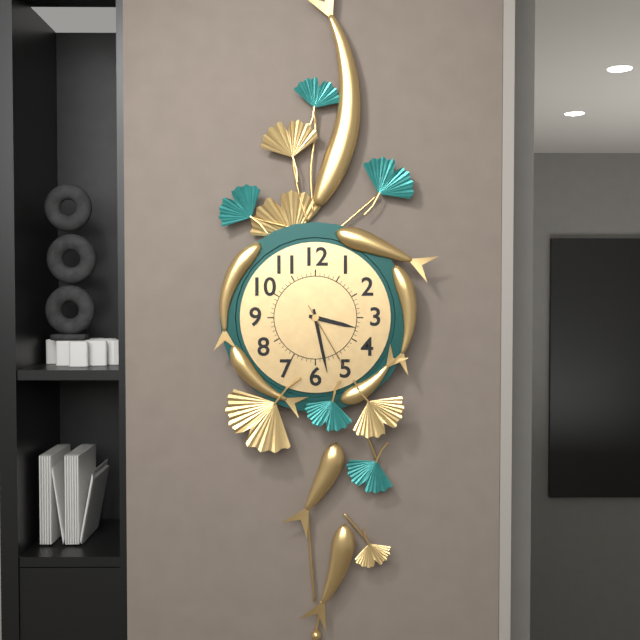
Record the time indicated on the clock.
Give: 3:28:25
